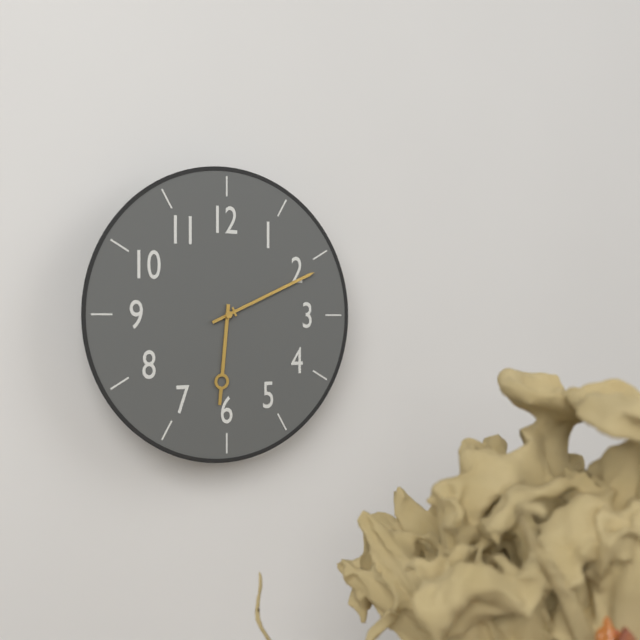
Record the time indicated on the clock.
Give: 6:11
